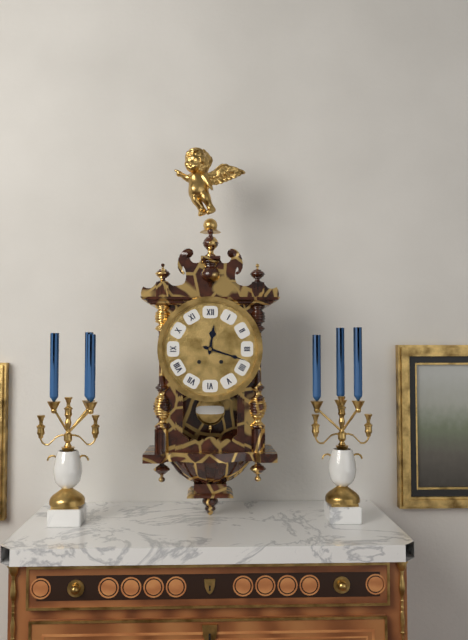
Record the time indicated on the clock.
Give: 12:18
